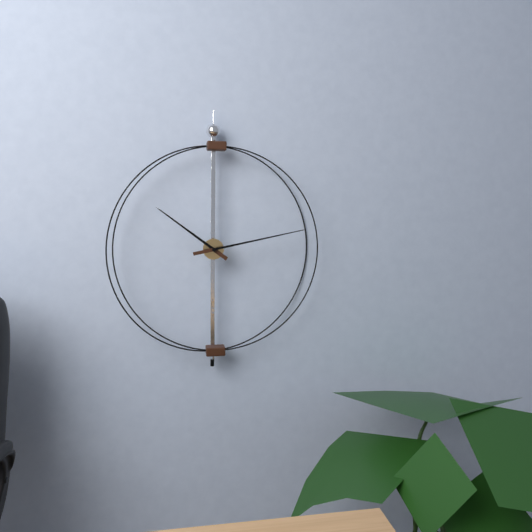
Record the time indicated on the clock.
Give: 10:13
